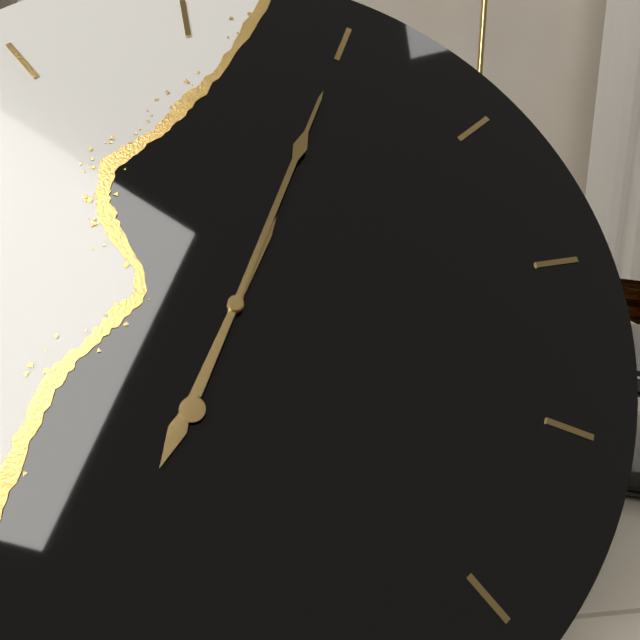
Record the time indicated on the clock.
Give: 7:05
